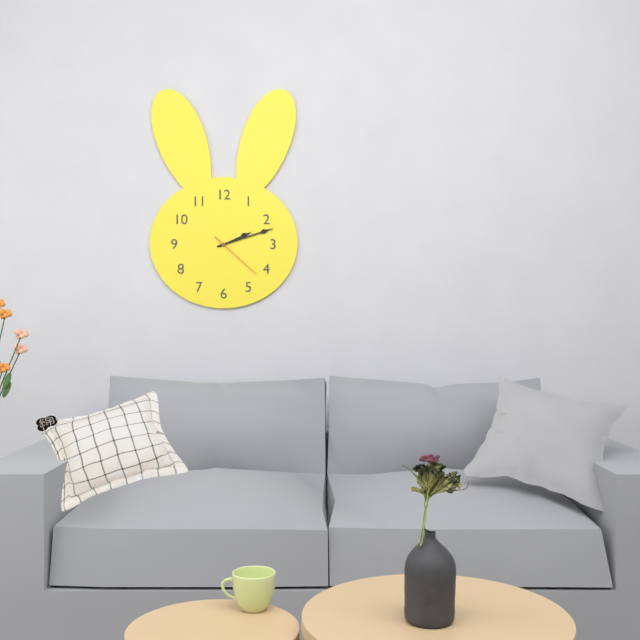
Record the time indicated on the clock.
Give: 2:12:22
